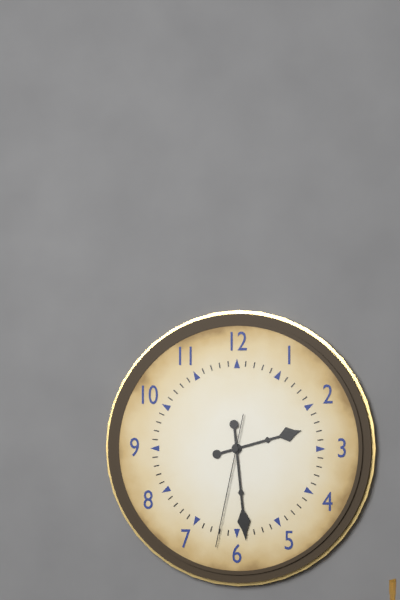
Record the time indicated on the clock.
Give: 2:29:32
